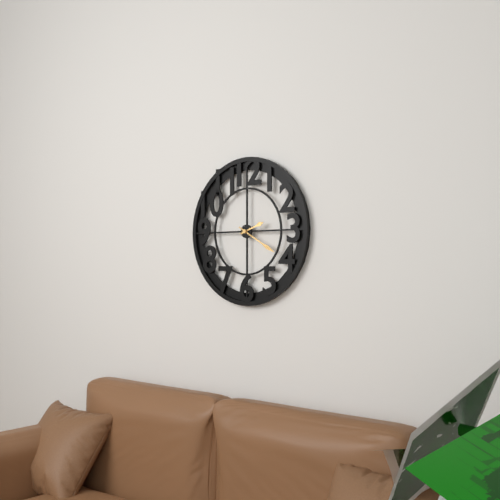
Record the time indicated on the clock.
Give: 2:20
